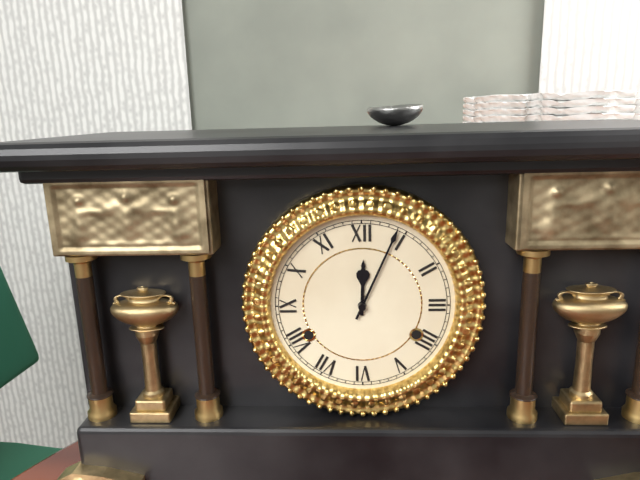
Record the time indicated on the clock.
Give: 12:04
